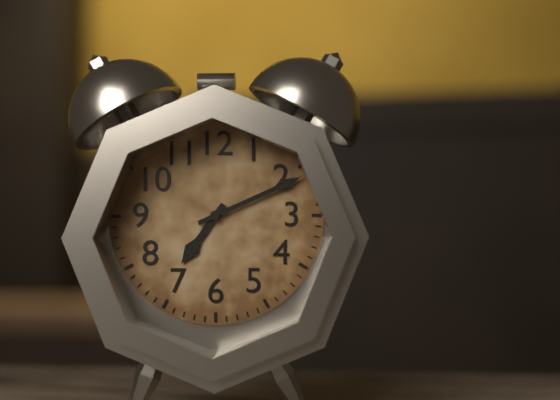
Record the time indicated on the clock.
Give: 7:11
